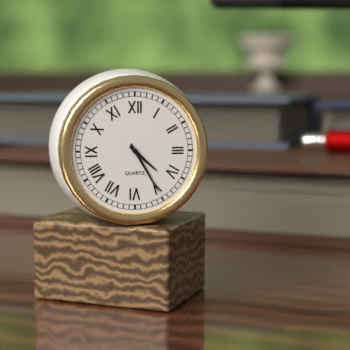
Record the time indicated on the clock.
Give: 4:25
